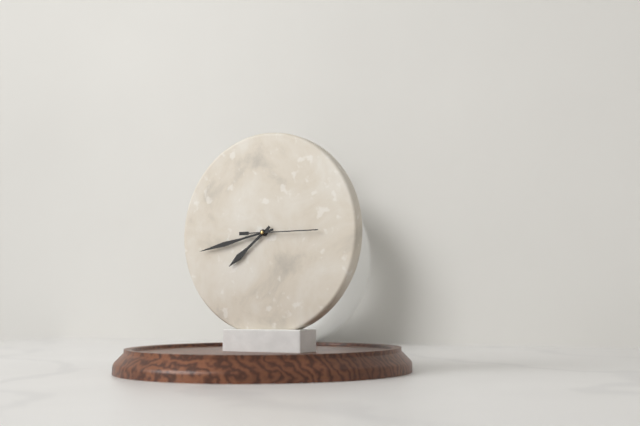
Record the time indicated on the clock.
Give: 7:43:15
